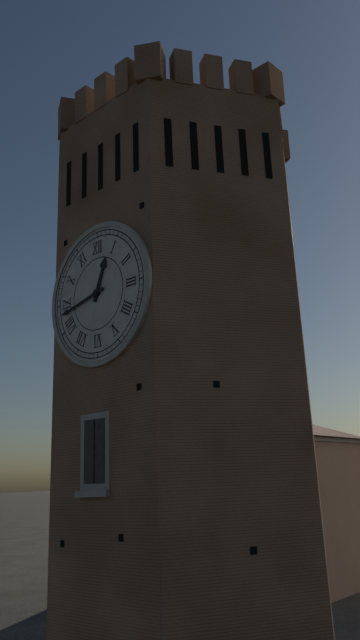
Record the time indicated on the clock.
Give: 12:43
